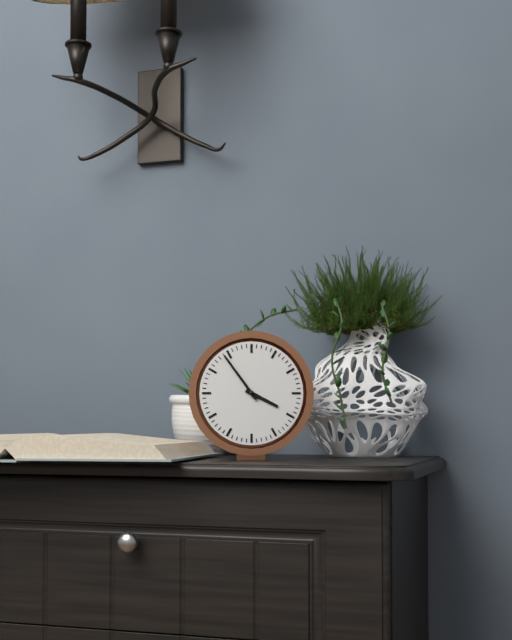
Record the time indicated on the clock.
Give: 3:54
